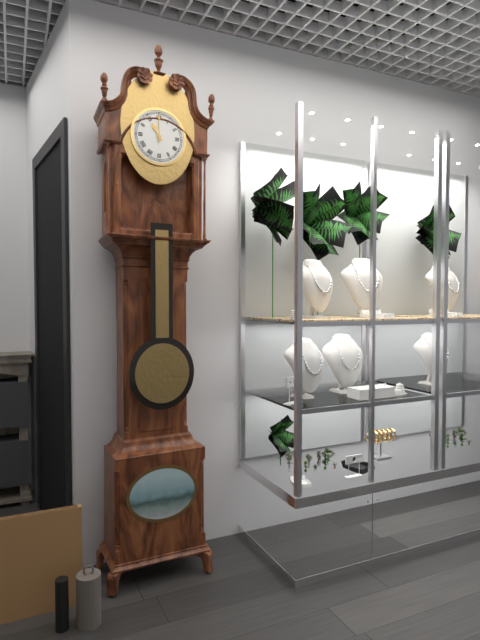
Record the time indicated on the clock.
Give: 11:00
